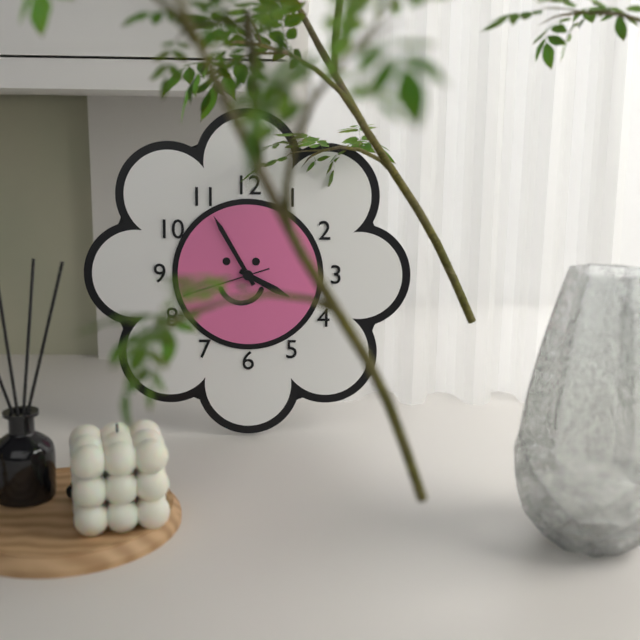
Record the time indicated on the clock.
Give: 3:55
